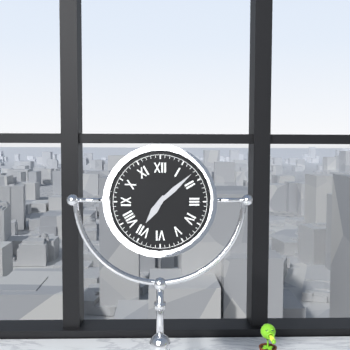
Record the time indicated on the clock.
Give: 7:08
